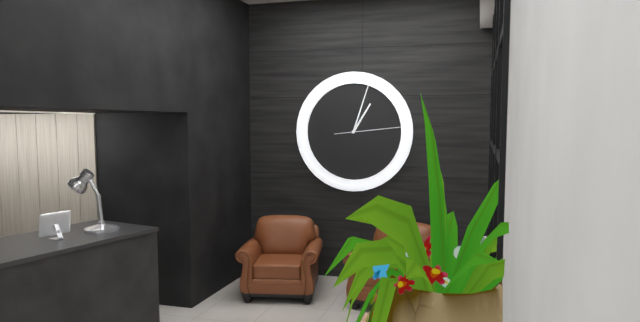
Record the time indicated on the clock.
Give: 1:03:14
